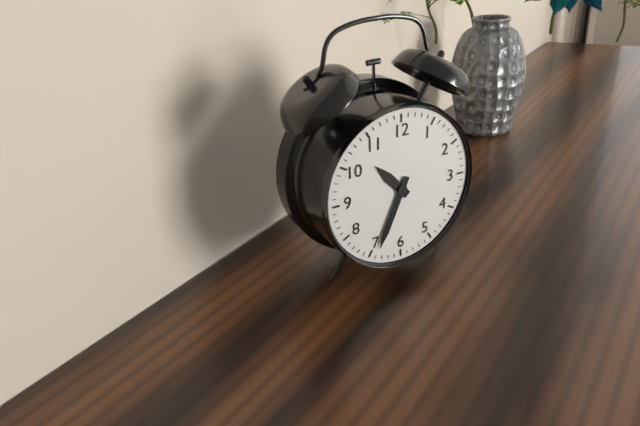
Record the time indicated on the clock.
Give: 10:34
